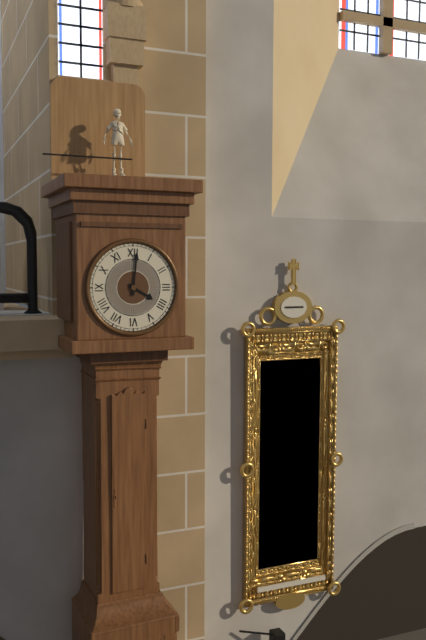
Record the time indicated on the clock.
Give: 4:01
